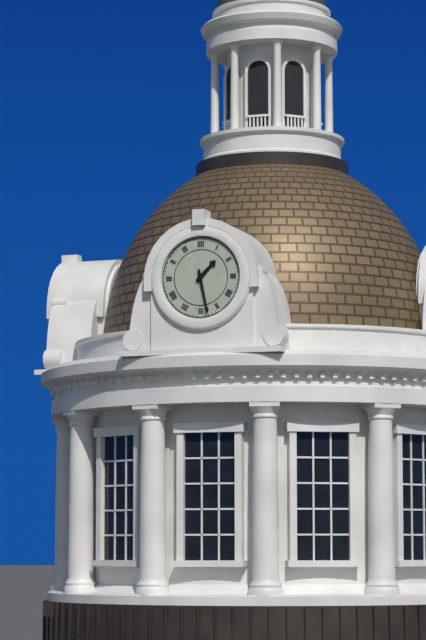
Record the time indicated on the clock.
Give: 1:28
